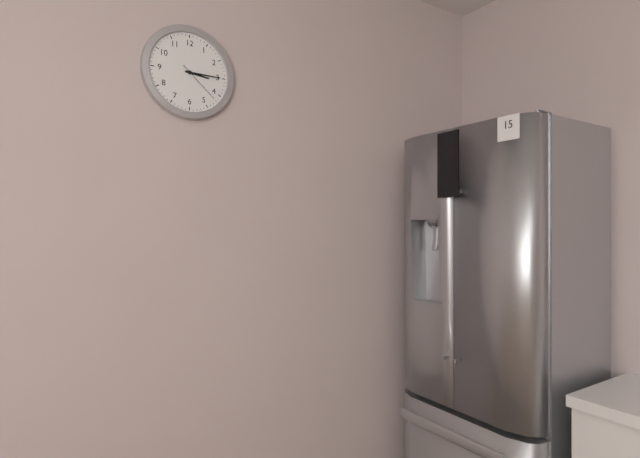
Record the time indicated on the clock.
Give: 3:15
